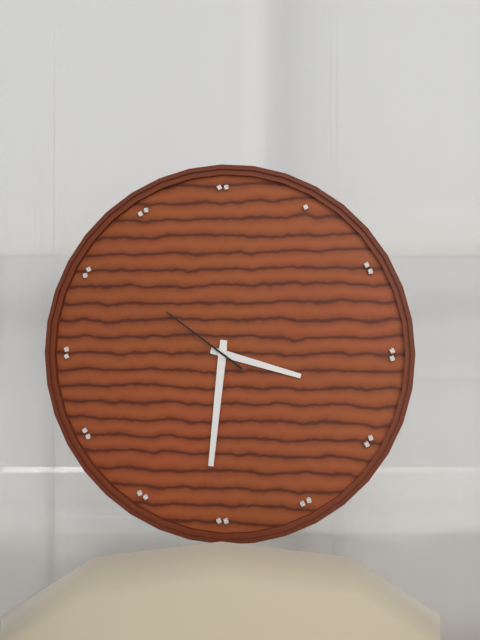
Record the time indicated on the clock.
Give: 3:31:51
